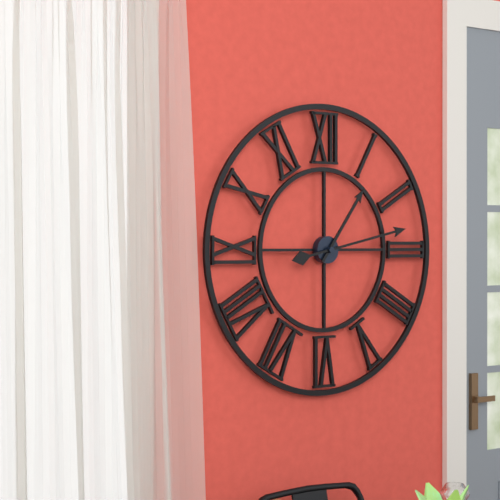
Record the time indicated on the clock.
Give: 1:13
